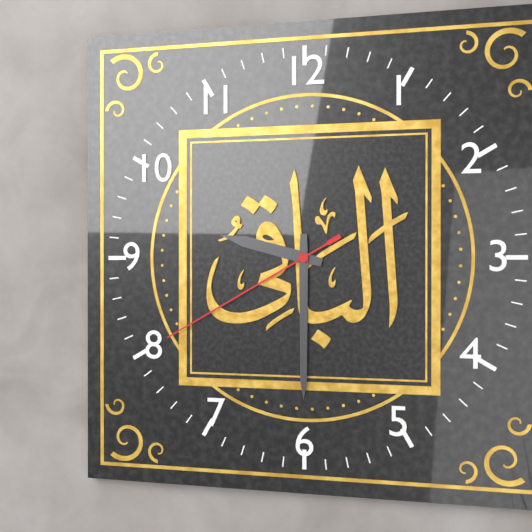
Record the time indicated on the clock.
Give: 9:30:40
